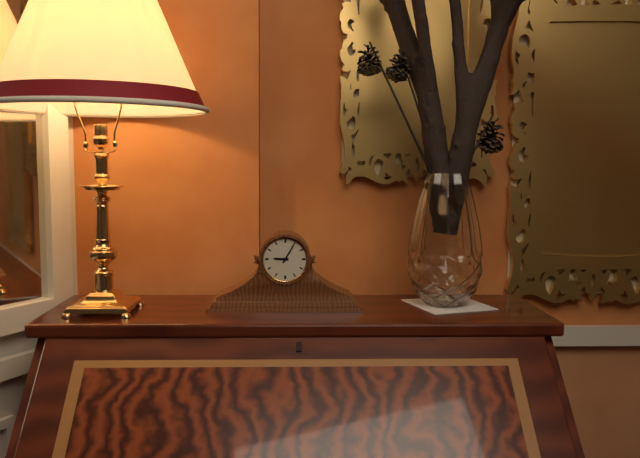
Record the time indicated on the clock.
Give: 9:05
